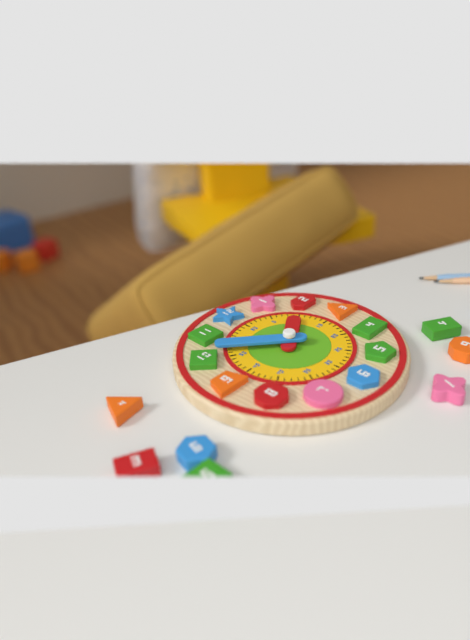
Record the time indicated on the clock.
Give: 1:52
